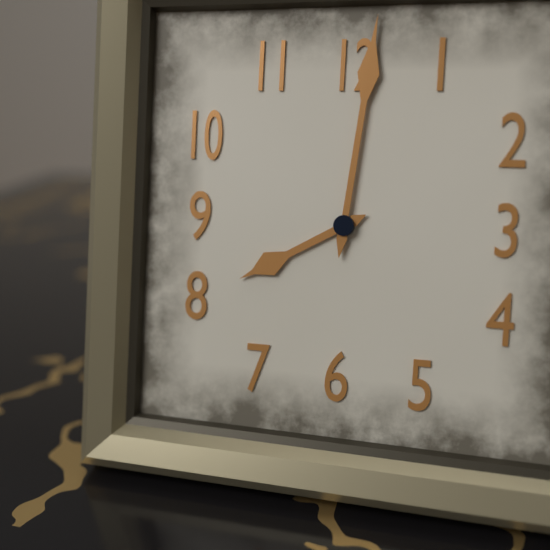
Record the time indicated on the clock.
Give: 8:01
